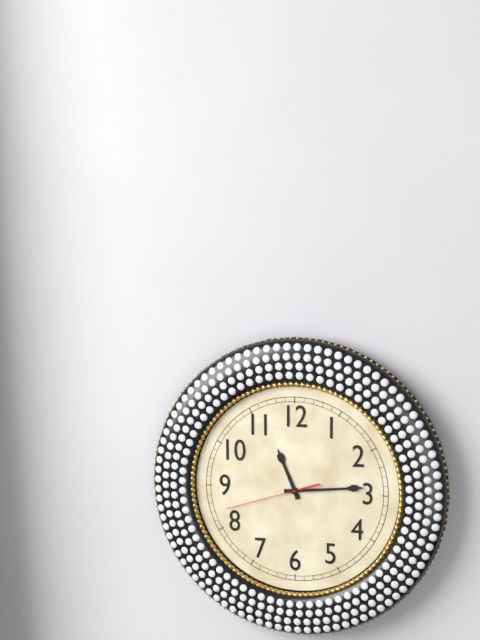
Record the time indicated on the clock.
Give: 11:14:42
